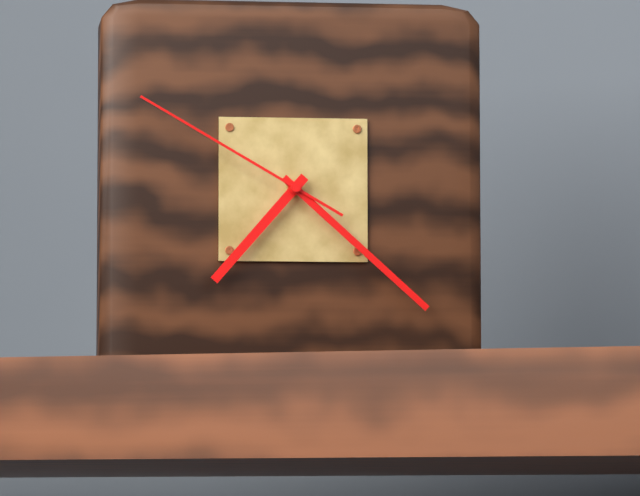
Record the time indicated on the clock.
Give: 7:22:50
